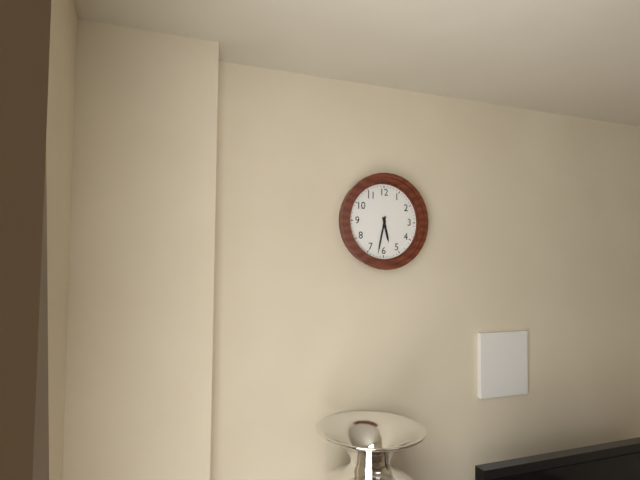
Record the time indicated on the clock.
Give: 5:32
